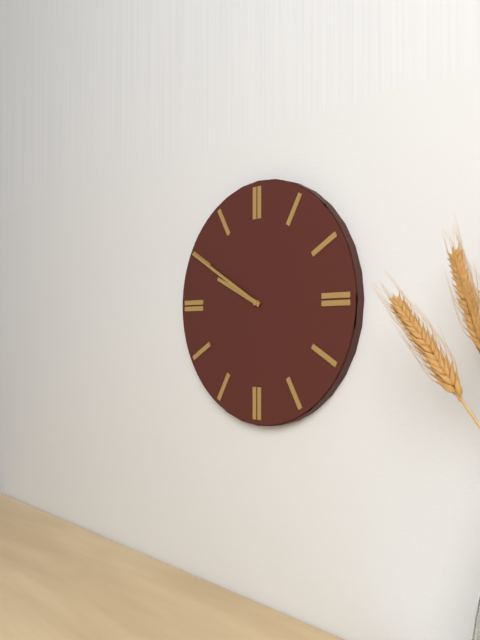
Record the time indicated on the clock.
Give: 9:50
